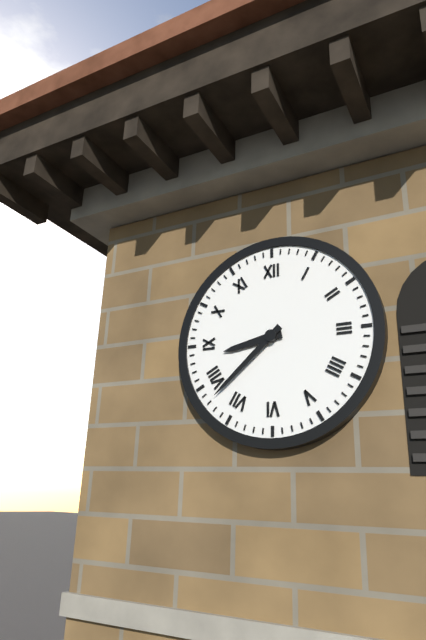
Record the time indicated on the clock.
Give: 8:38
